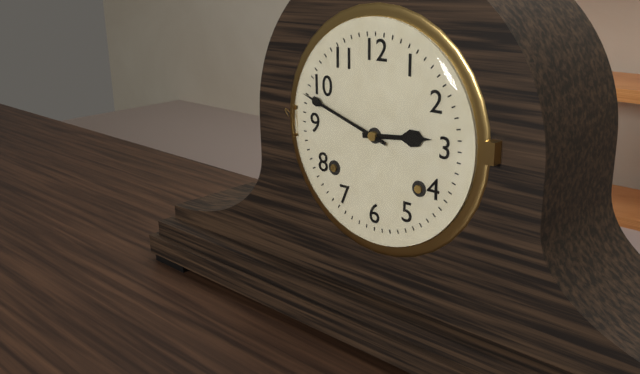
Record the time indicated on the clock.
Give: 2:48
